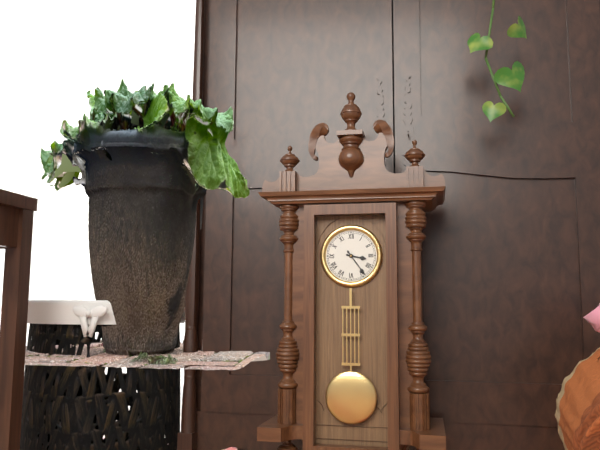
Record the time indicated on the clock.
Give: 3:24
